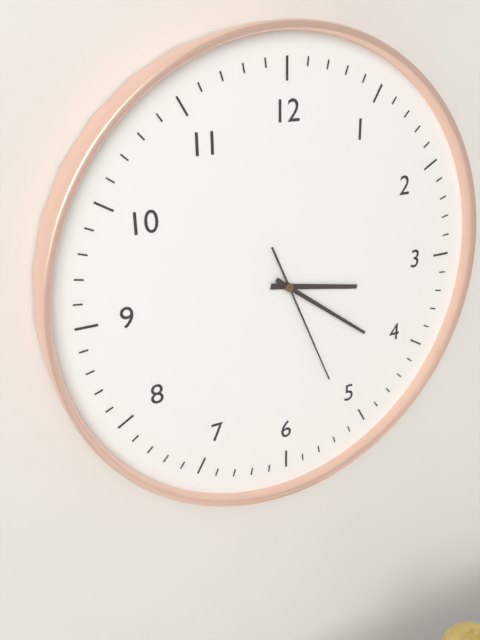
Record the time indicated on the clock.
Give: 3:21:26
